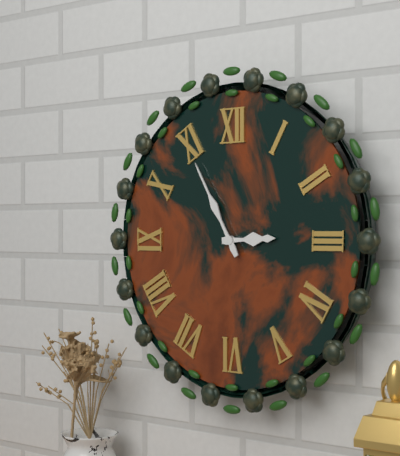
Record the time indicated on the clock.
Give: 2:55
